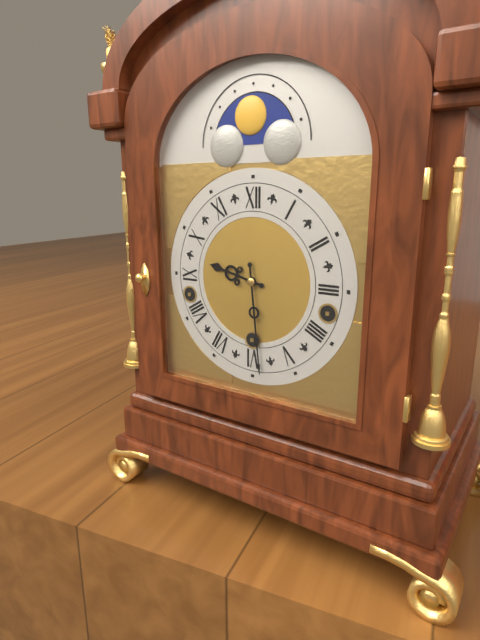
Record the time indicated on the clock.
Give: 9:29
